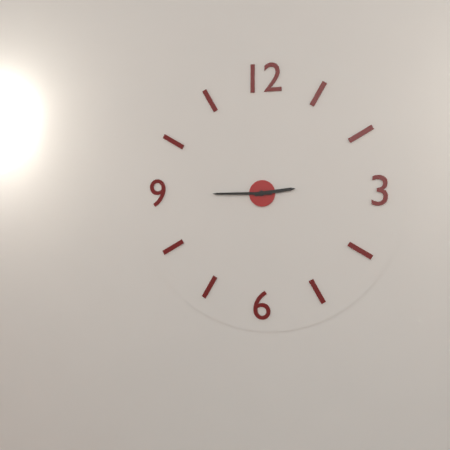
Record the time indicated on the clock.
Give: 2:45
